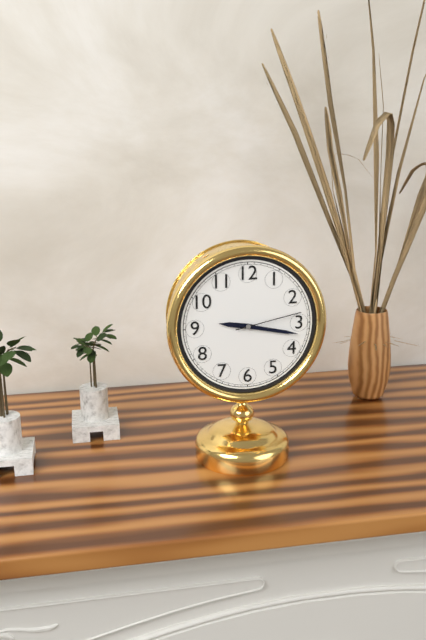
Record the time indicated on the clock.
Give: 9:17:13
